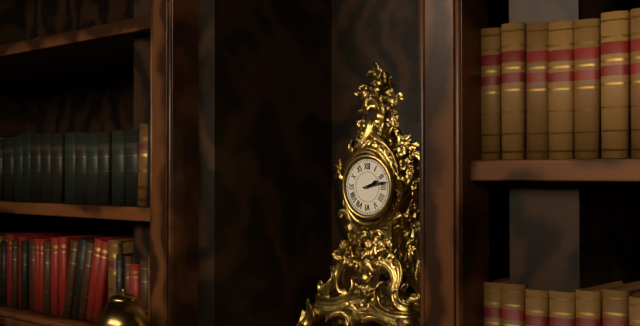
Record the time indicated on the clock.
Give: 2:13
